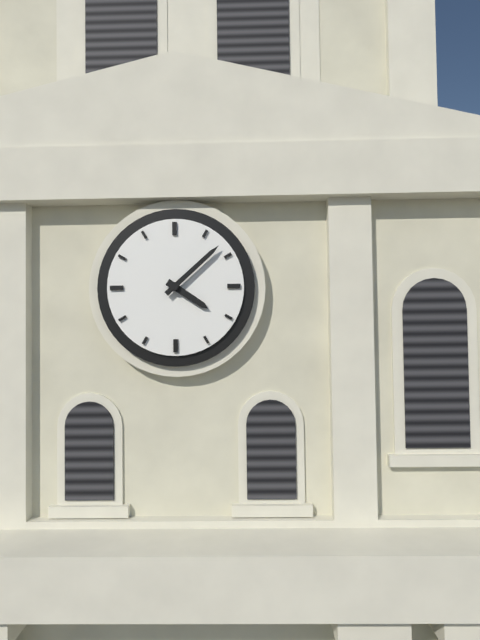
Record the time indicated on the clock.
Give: 4:08
